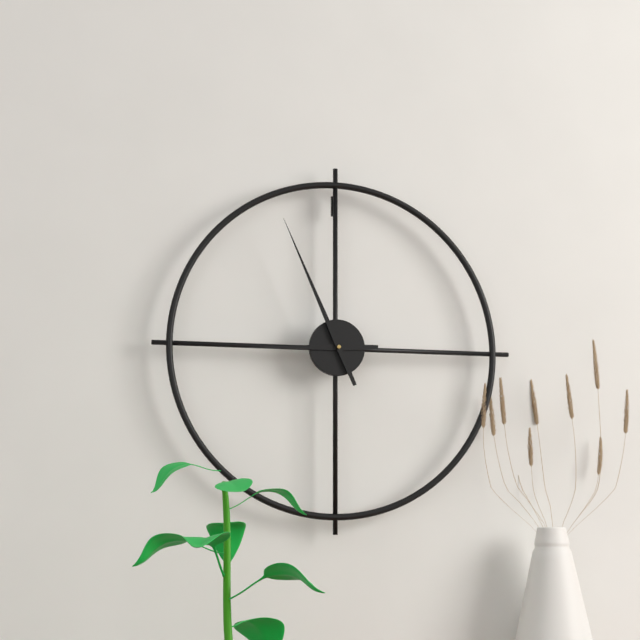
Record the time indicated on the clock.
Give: 8:56
